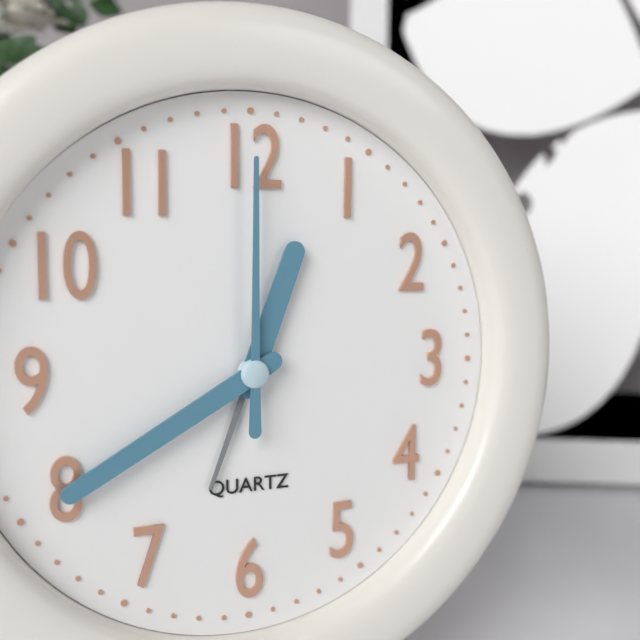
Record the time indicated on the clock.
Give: 12:40:00
